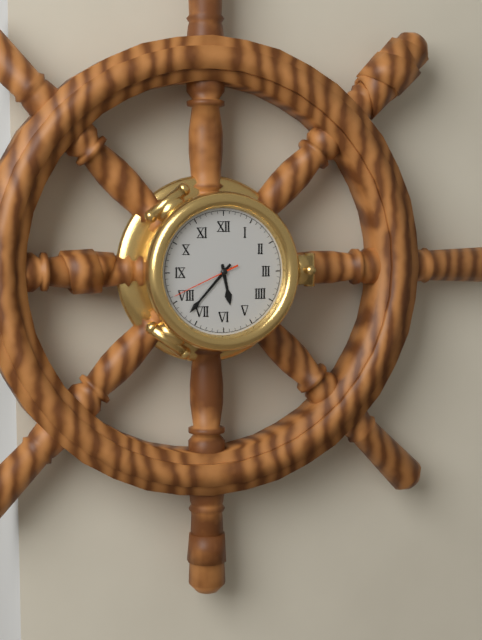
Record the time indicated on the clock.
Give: 5:37:41
